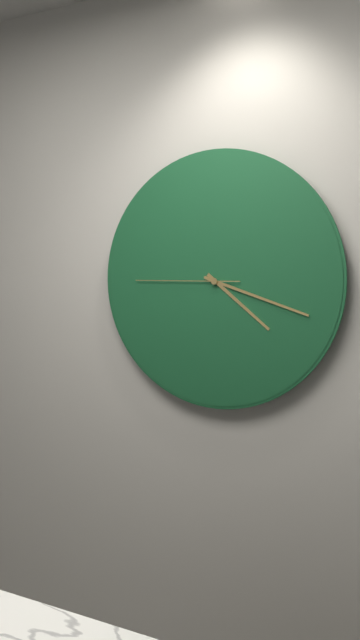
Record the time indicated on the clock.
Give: 4:18:45
